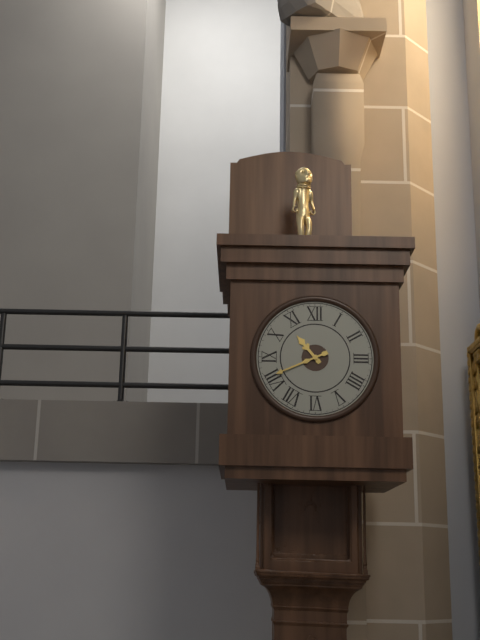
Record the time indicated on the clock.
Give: 10:41
